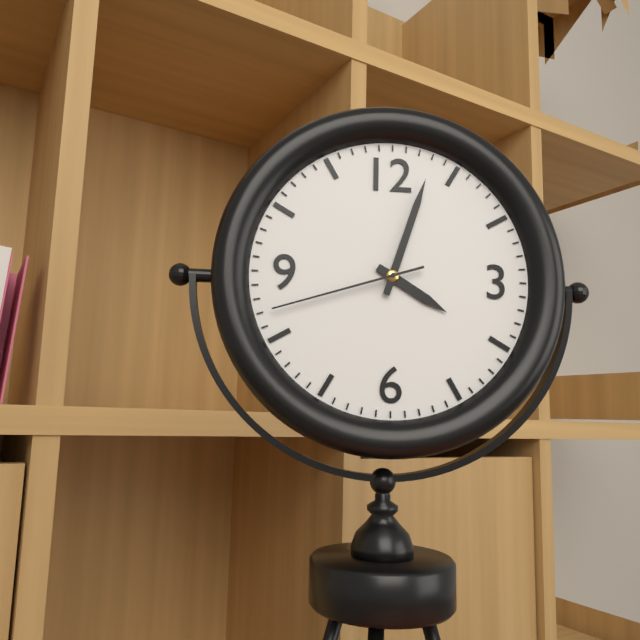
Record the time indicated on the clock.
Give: 4:03:42
